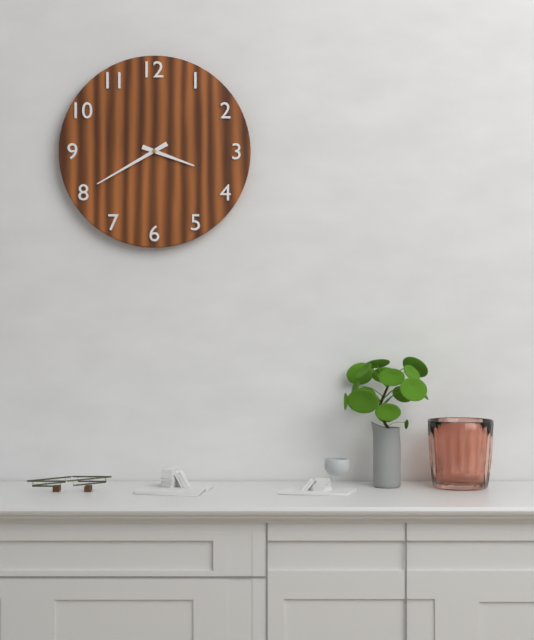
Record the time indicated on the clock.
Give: 3:40
